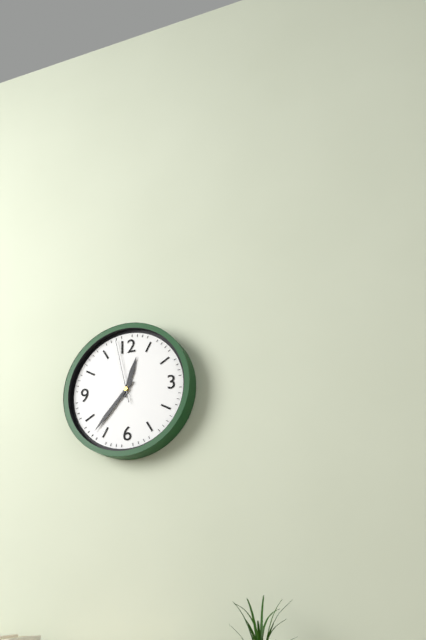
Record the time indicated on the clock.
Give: 12:37:58
